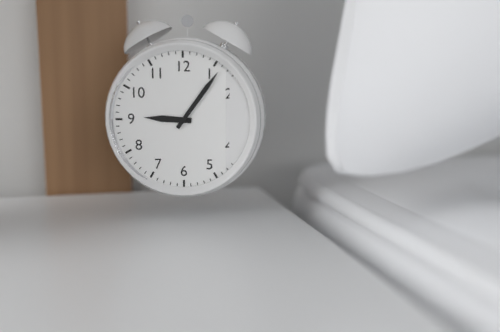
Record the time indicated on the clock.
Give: 9:06
